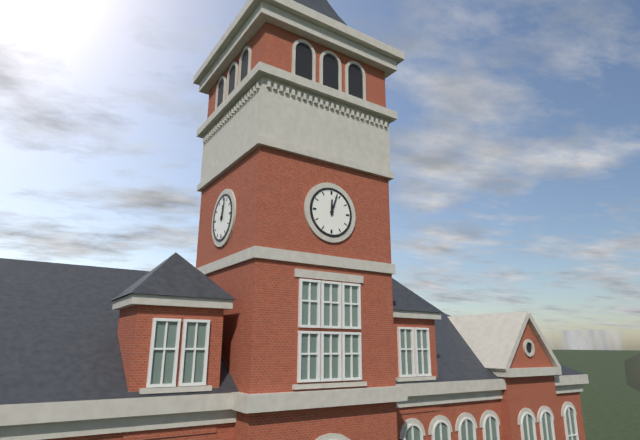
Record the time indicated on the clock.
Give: 12:03
